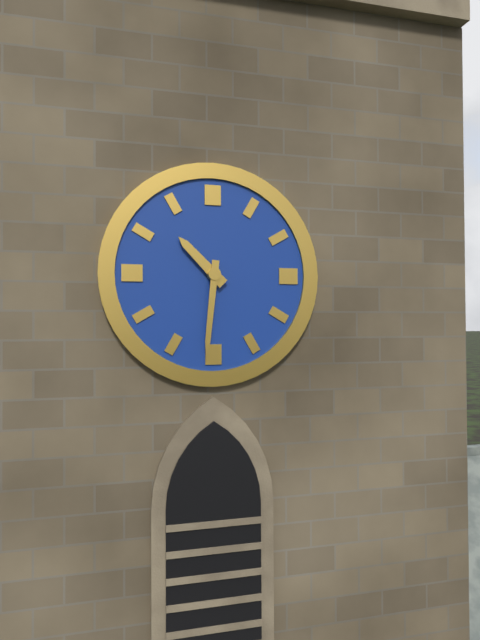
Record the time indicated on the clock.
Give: 10:31
